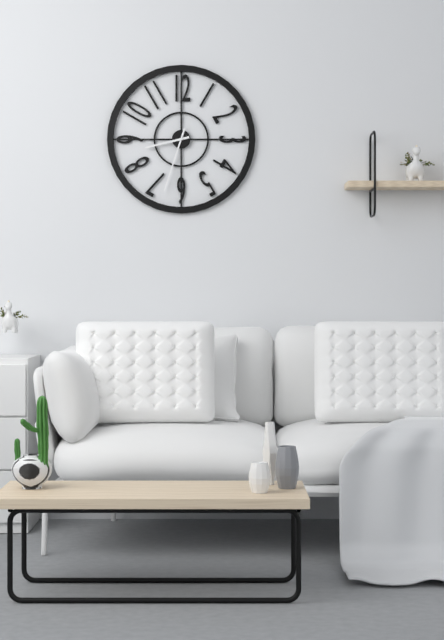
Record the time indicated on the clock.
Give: 8:33
